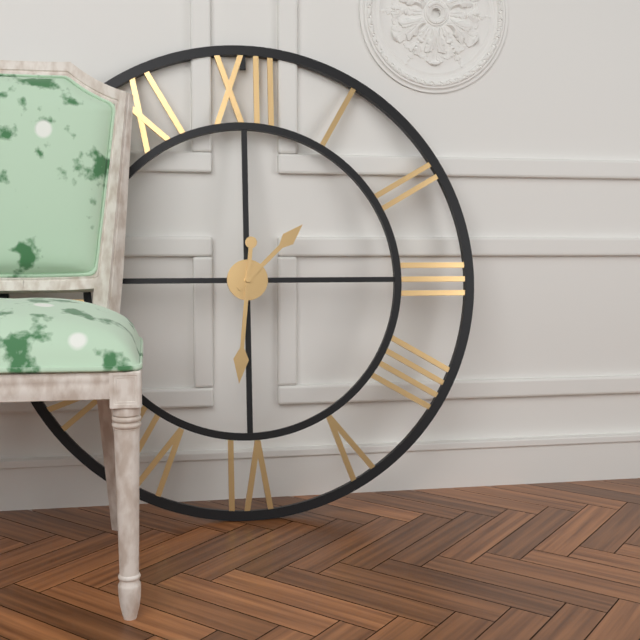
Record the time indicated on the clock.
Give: 1:31
